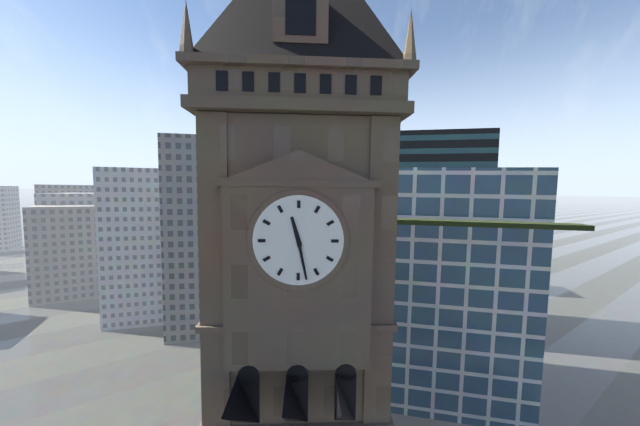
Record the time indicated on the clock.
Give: 11:28
